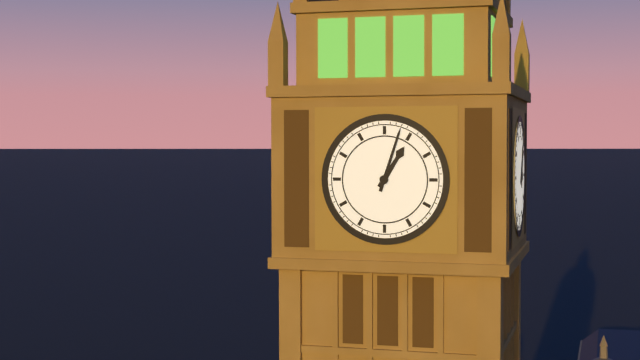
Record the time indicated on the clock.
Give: 1:03
